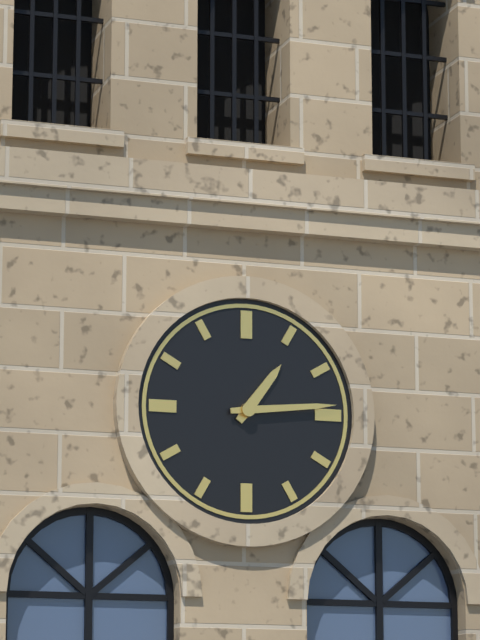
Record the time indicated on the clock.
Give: 1:14
